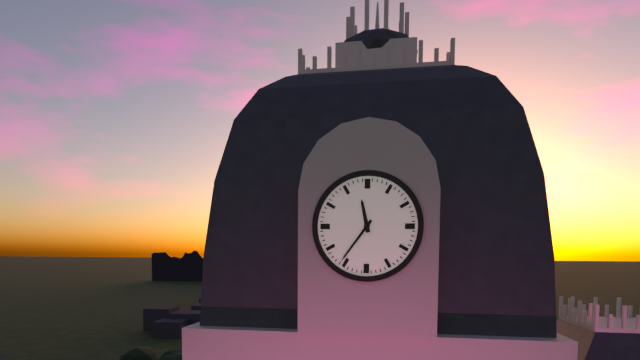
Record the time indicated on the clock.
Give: 11:36
